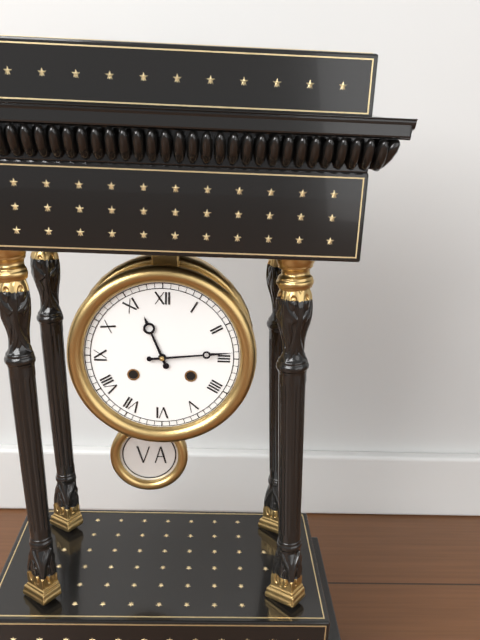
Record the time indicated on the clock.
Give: 11:14
